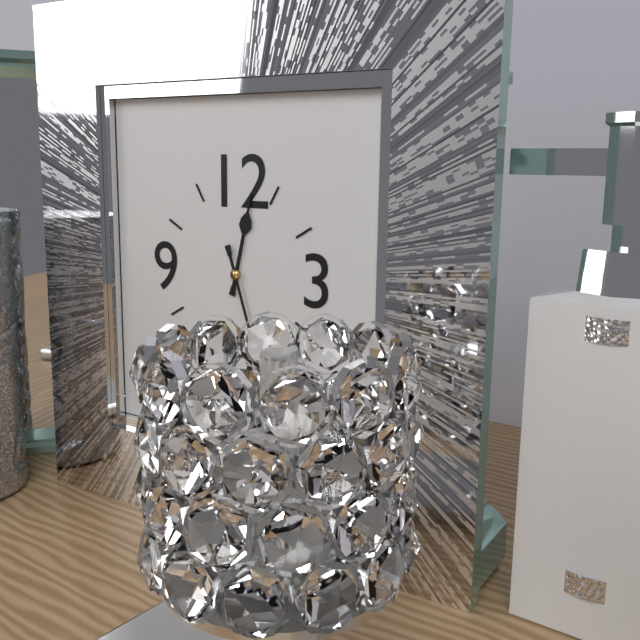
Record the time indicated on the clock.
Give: 12:27
